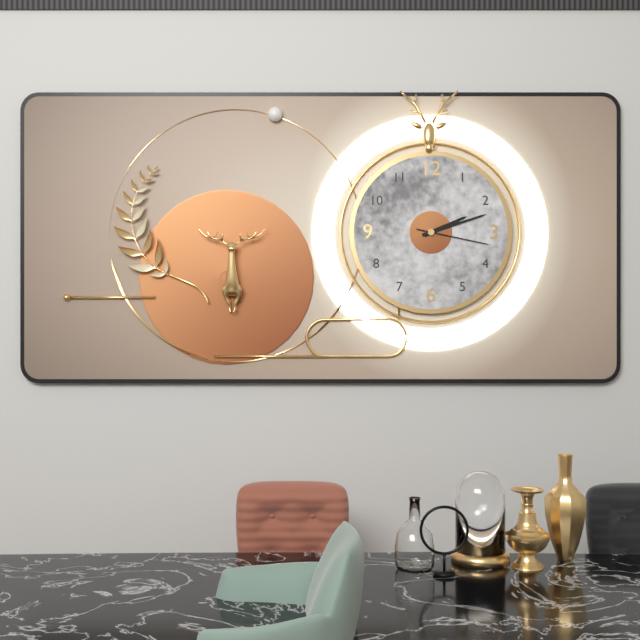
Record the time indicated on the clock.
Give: 2:12:17
